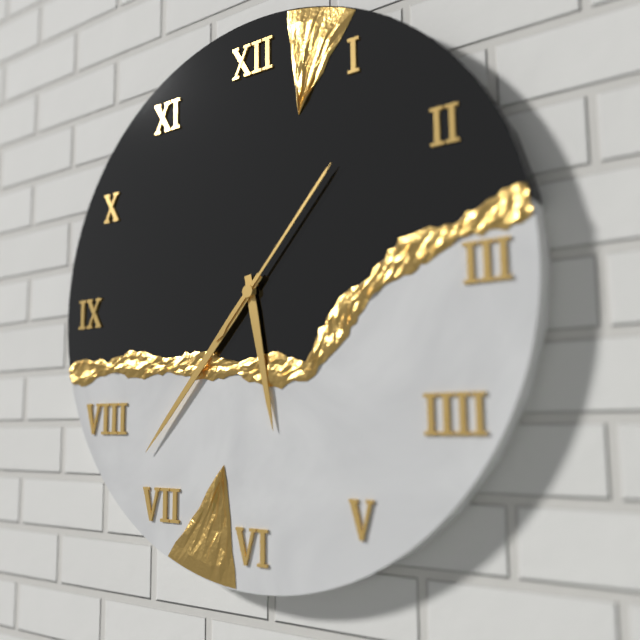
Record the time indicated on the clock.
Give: 5:37:07
